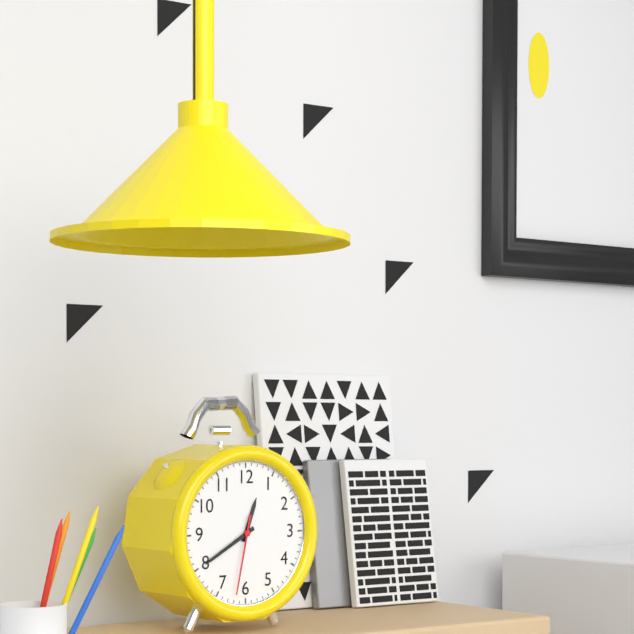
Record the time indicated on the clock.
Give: 12:40:32
